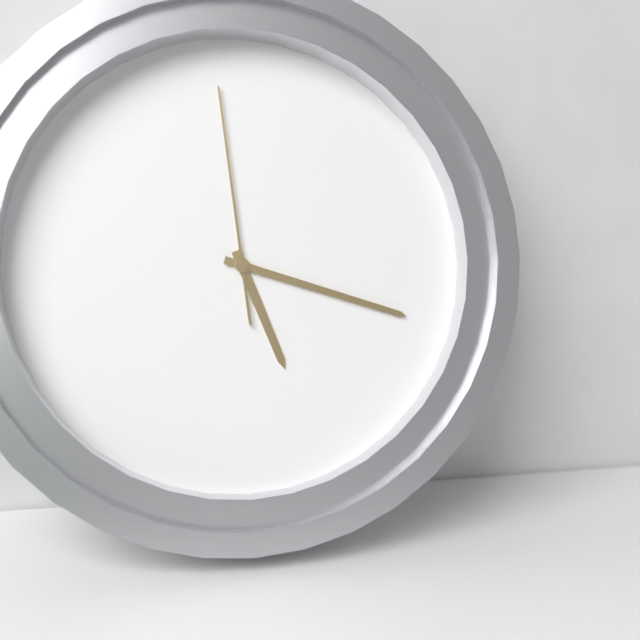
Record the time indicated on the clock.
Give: 5:18:59
